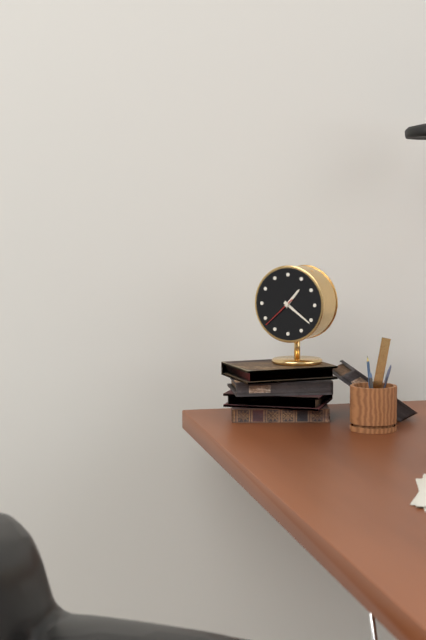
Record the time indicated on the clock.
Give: 1:21
